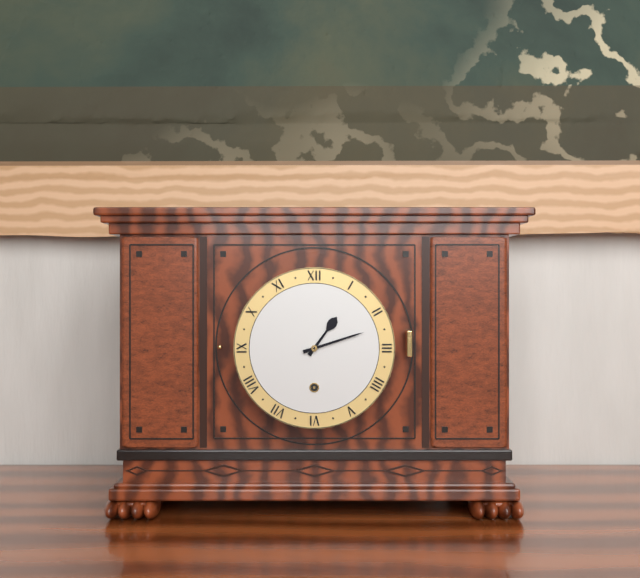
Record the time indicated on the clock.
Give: 1:12
